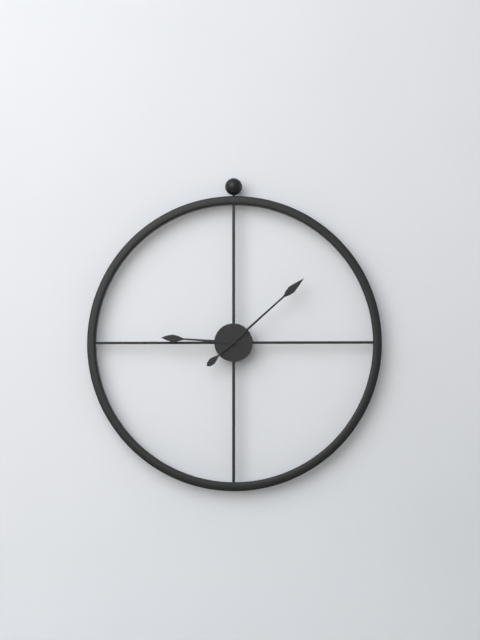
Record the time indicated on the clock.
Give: 9:08
